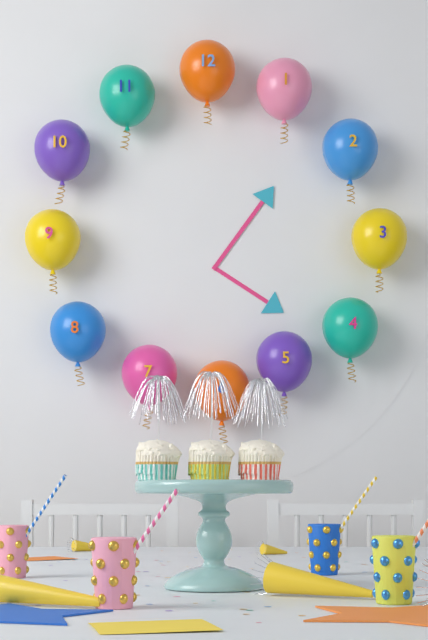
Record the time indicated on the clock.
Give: 4:06
